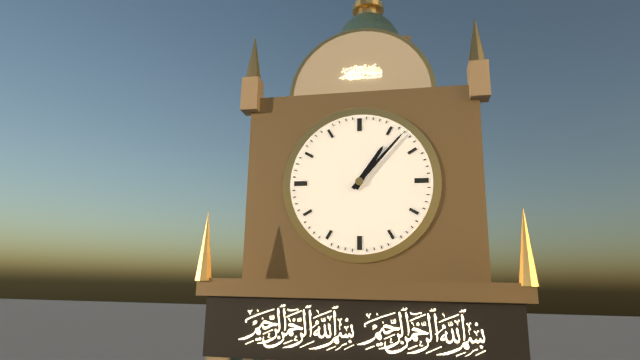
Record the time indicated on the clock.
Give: 1:07
